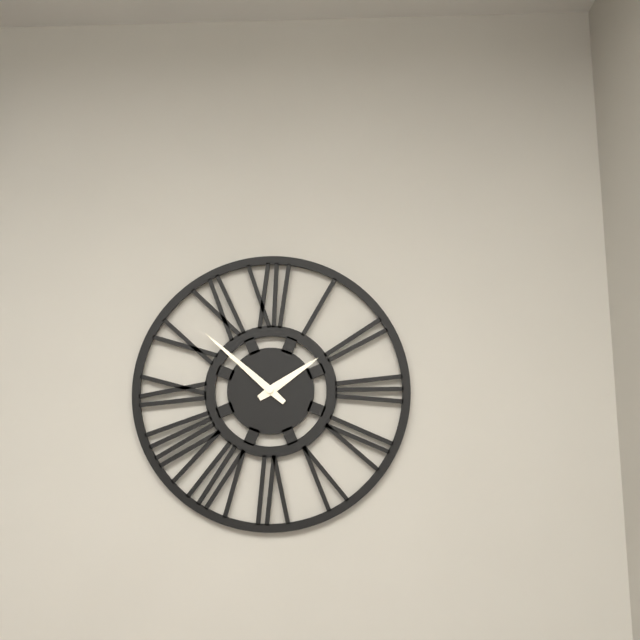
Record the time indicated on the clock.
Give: 1:52
